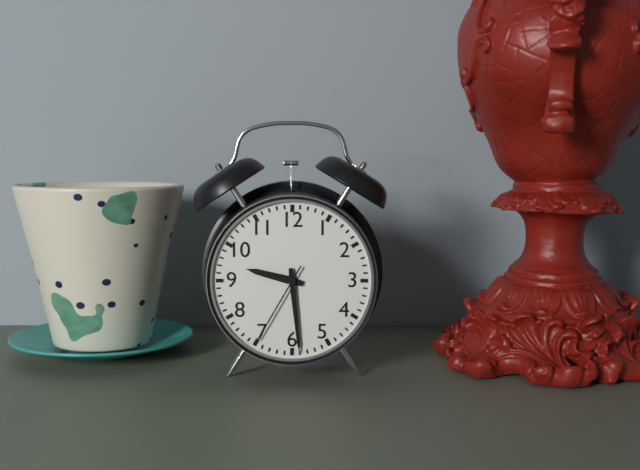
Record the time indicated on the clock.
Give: 9:29:35
